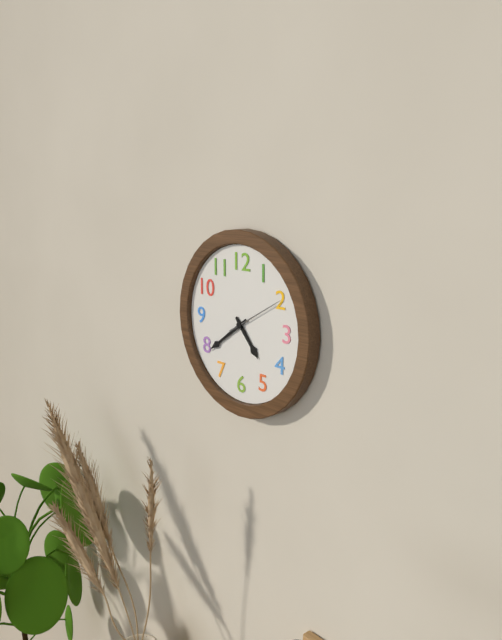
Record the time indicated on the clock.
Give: 4:39
